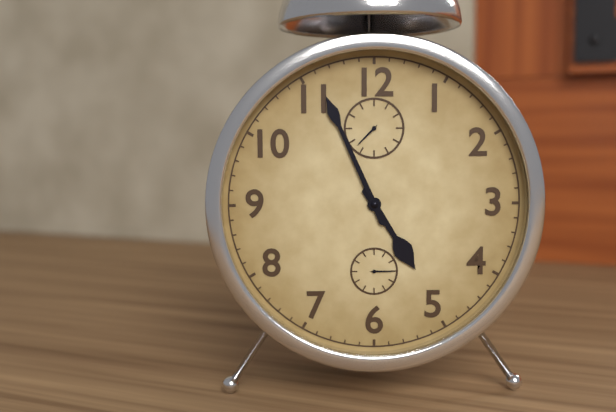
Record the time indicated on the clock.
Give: 4:56
